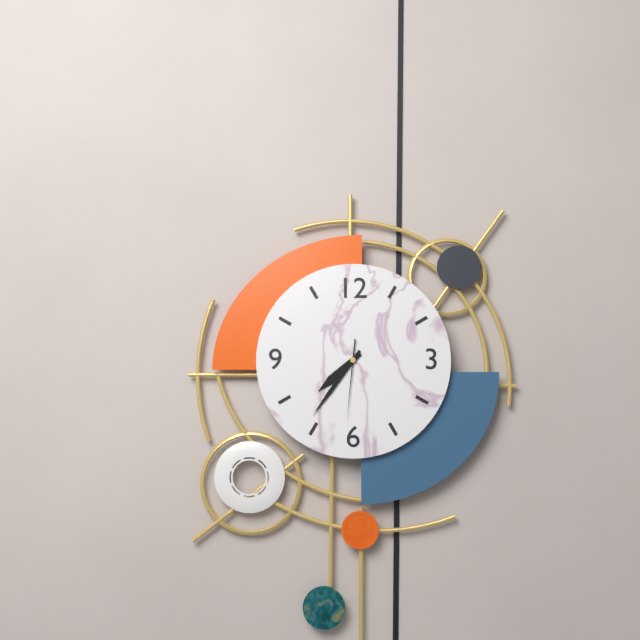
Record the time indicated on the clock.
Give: 7:36:31
